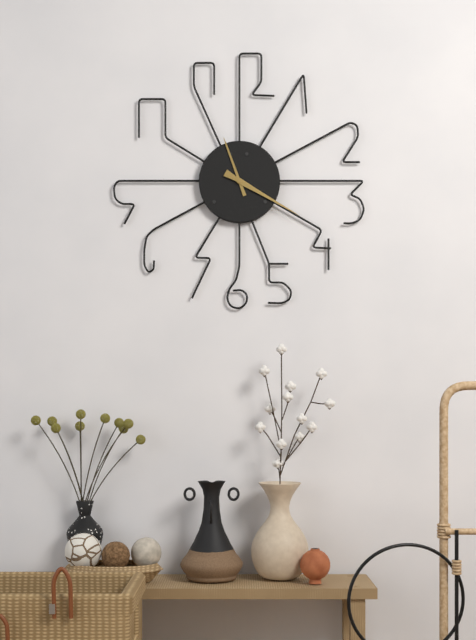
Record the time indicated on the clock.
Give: 11:20
